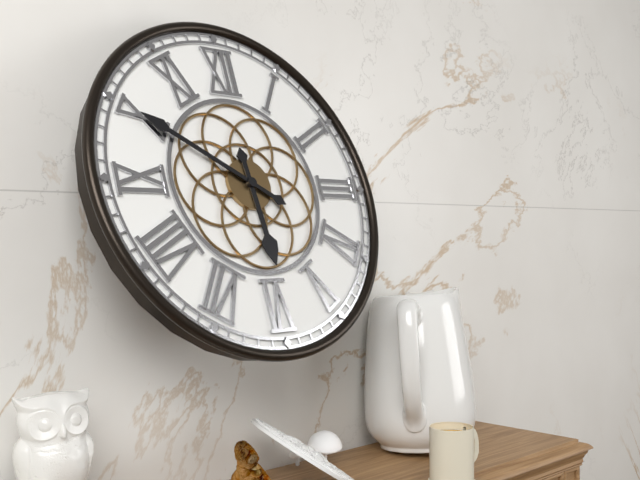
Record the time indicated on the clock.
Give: 5:50
